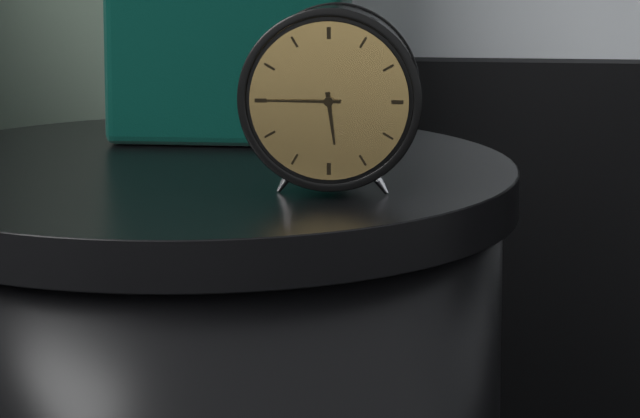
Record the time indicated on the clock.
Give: 5:45
